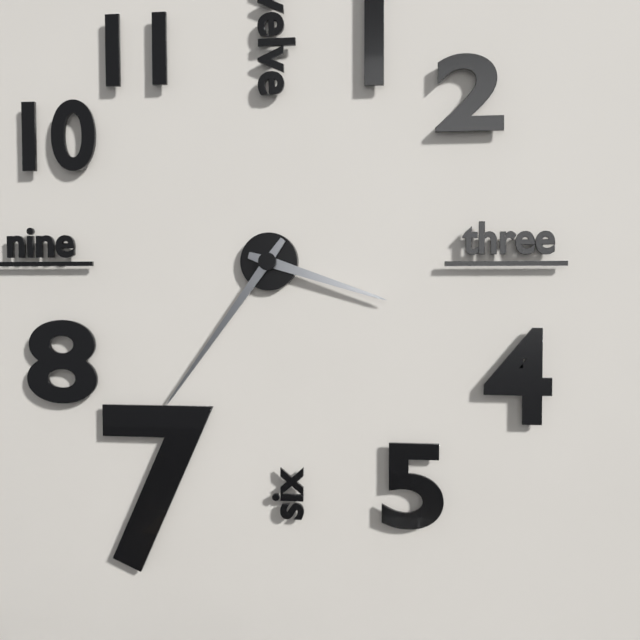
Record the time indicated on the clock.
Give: 3:36
